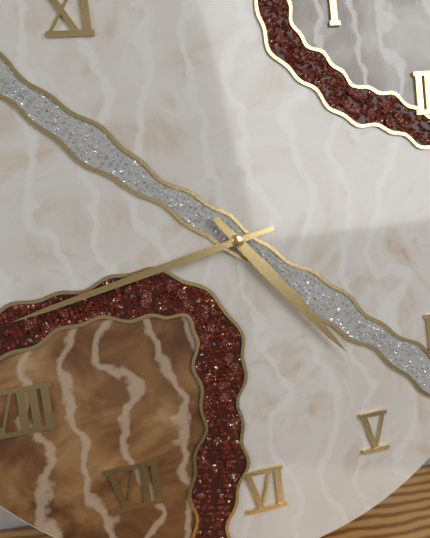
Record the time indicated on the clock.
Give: 4:43
